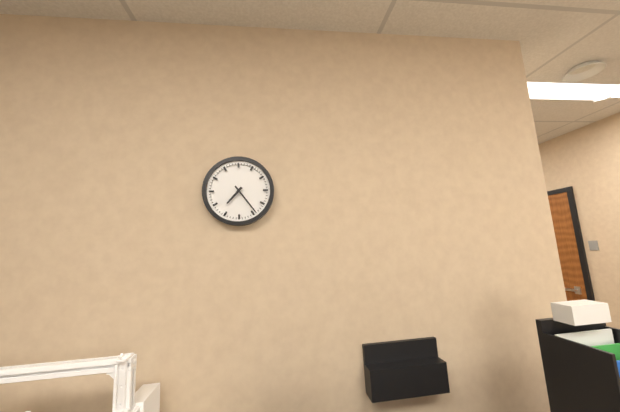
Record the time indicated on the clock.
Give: 7:24
